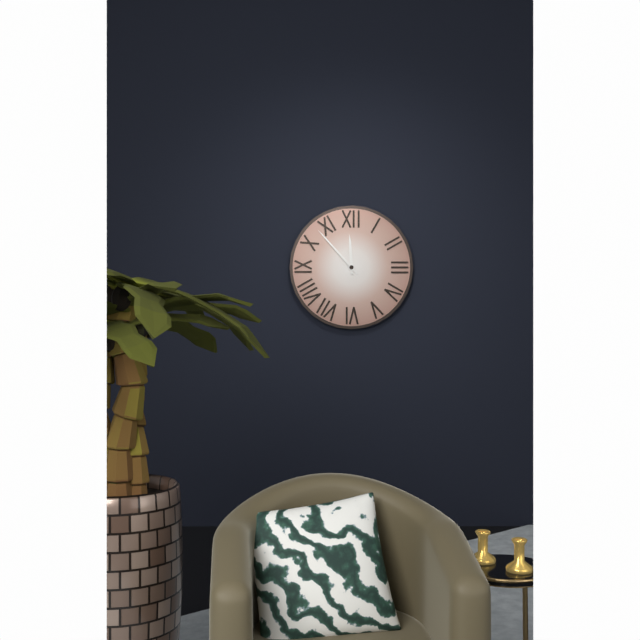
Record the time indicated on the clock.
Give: 11:53
